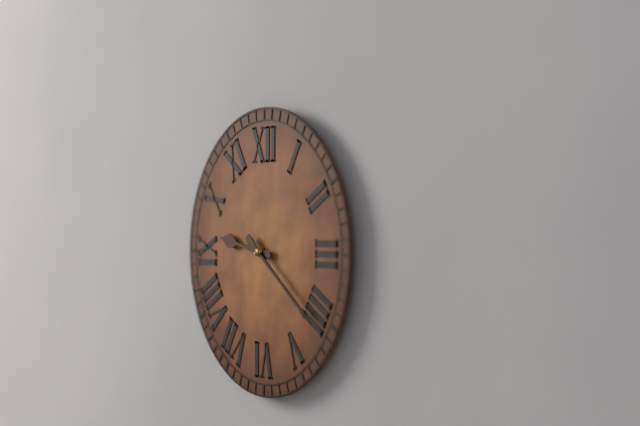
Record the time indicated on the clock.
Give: 9:21
